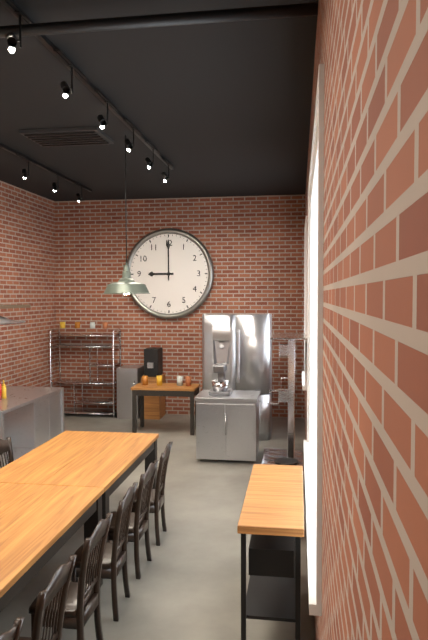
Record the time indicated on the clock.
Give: 9:00
